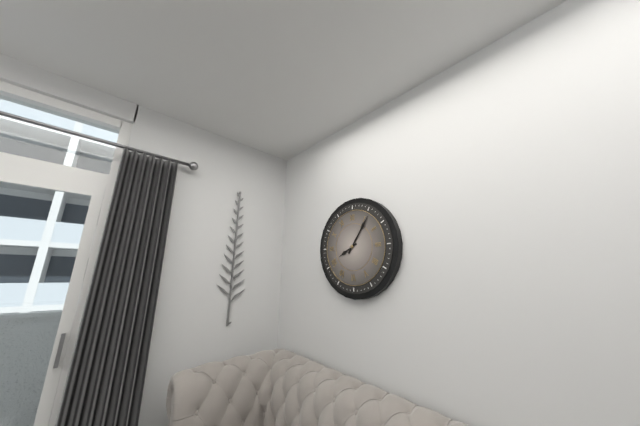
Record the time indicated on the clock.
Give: 8:06
